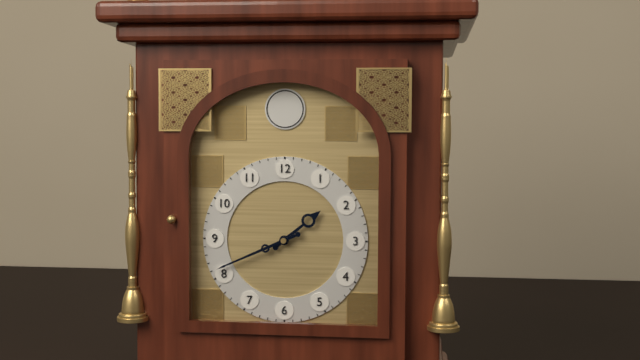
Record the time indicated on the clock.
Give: 1:41
